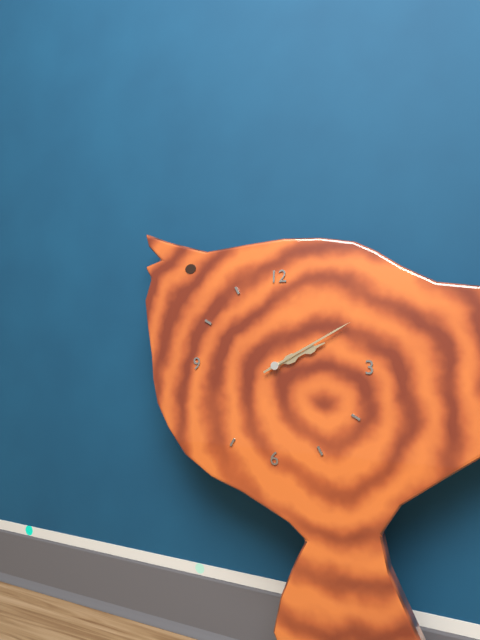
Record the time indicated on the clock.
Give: 2:10
